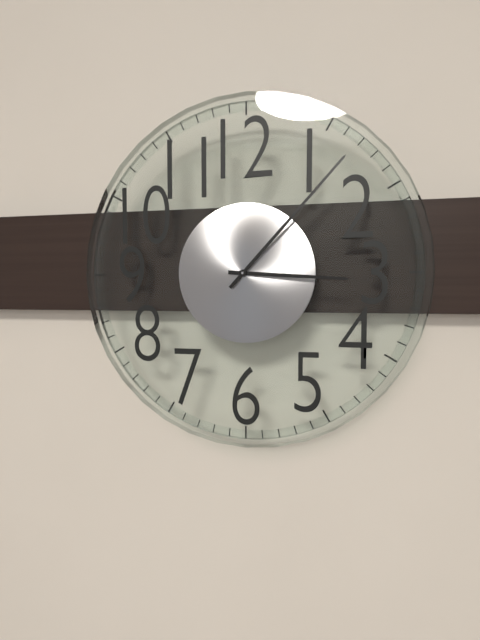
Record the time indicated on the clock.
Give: 3:07
